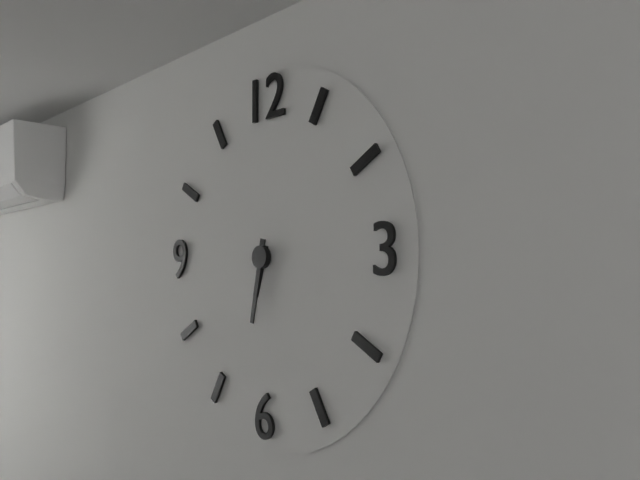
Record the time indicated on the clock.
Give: 6:32
